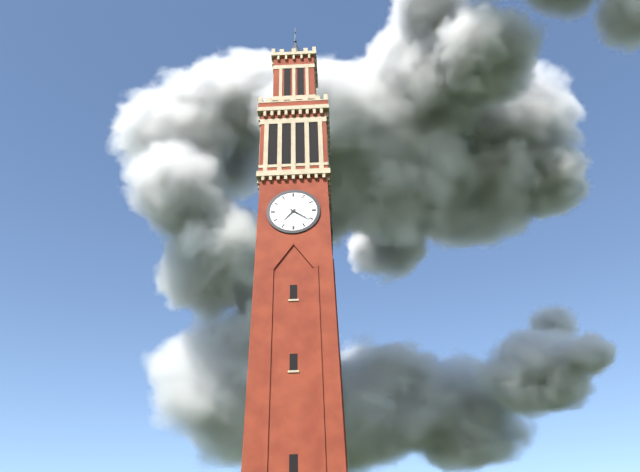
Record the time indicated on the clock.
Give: 7:21
